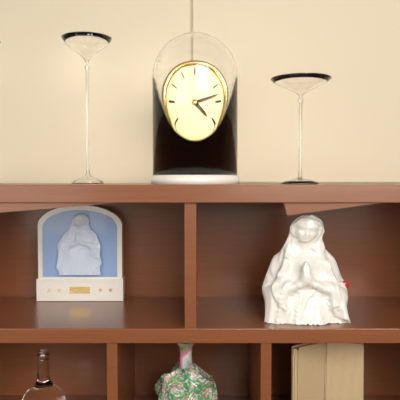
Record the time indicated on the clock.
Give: 4:13
